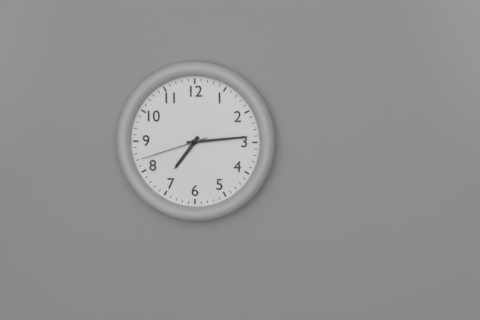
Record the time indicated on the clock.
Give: 7:14:42
